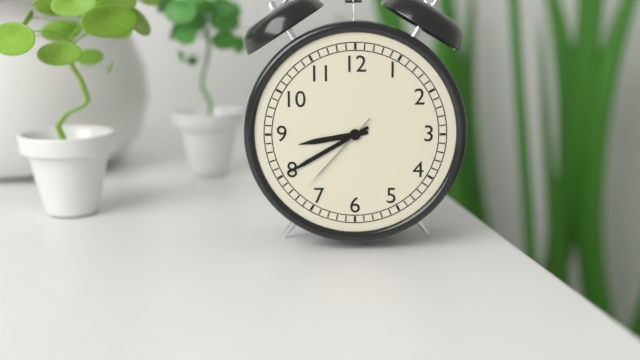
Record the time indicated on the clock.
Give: 8:40:37
